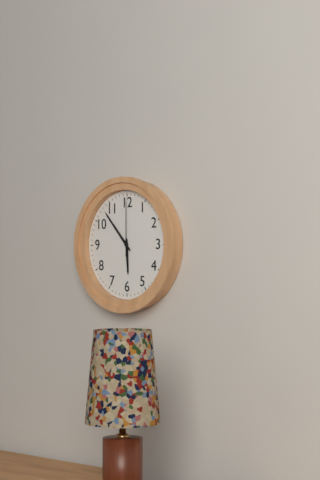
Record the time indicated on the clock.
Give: 5:53:00
